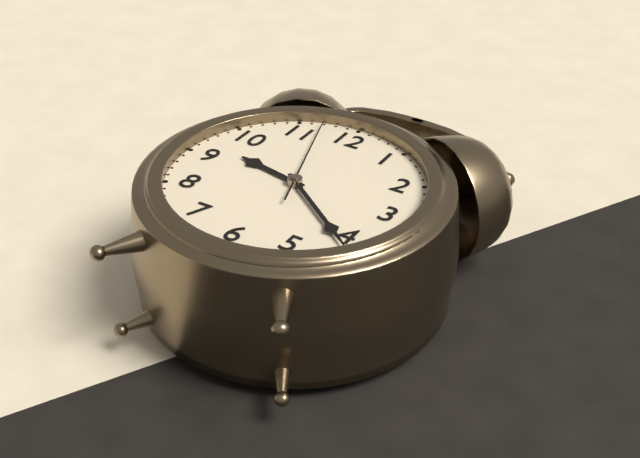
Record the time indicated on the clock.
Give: 9:21:57
